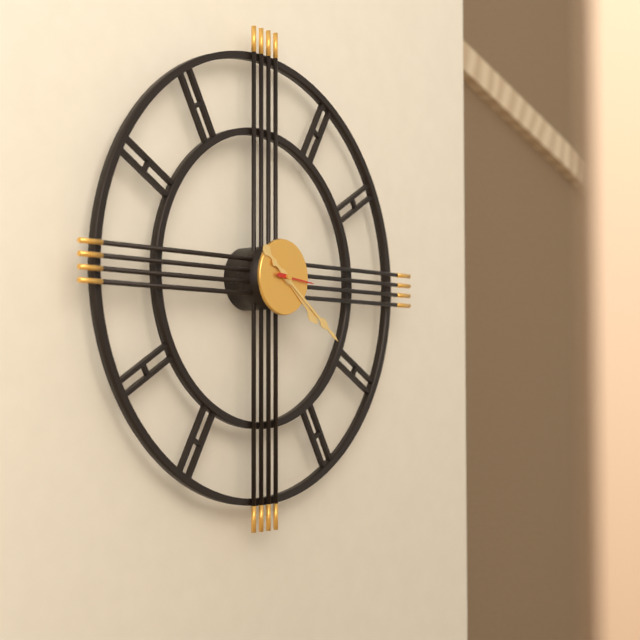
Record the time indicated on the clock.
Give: 4:21
